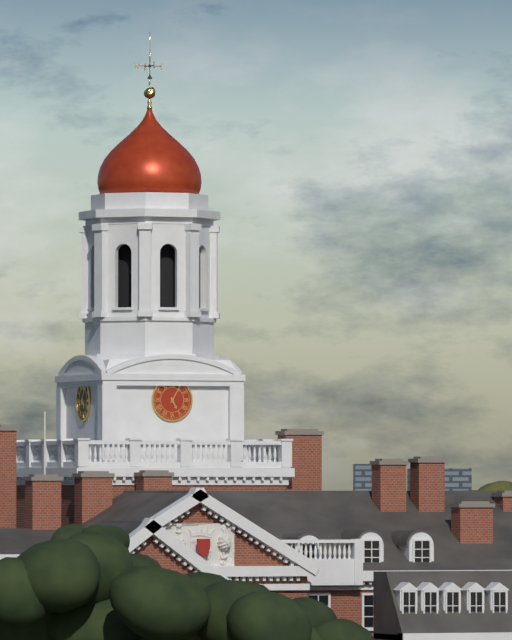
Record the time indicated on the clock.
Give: 5:05
